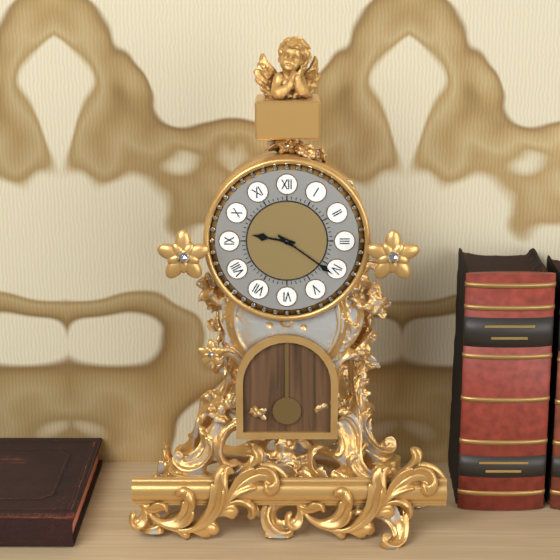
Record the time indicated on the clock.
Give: 9:21
